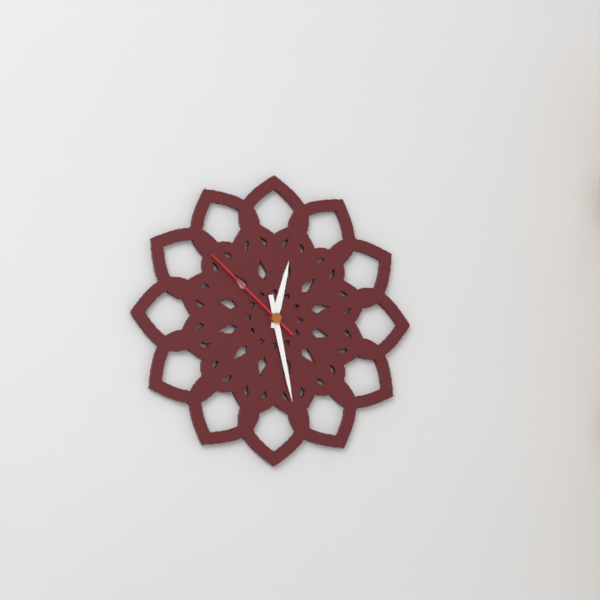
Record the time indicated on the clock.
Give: 12:28:52
